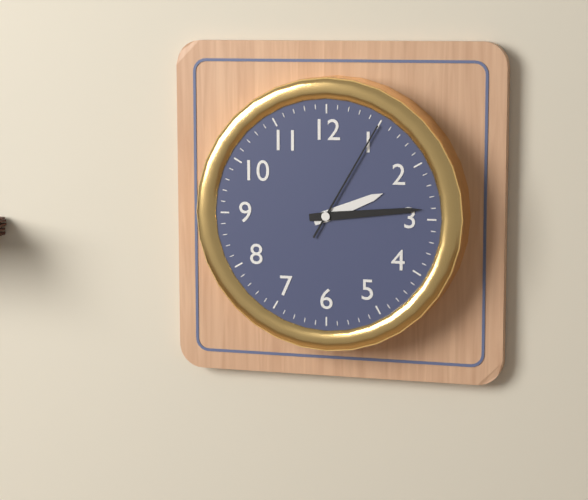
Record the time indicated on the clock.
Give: 2:14:05
